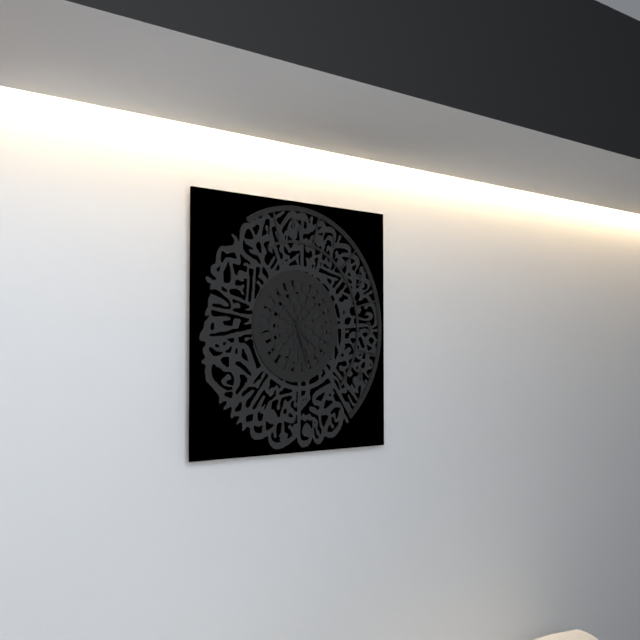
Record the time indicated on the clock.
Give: 4:27
